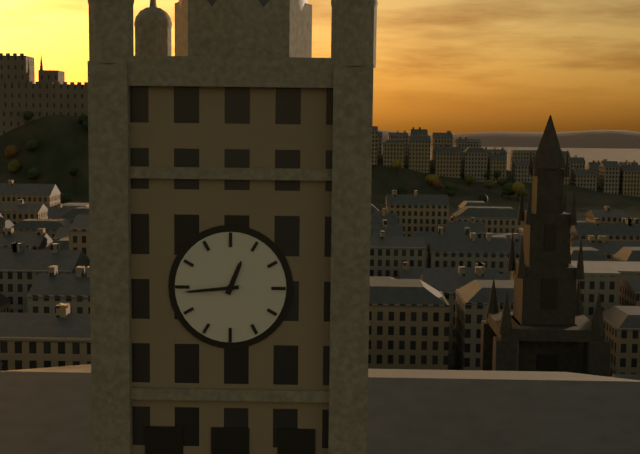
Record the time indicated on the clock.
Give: 12:44
